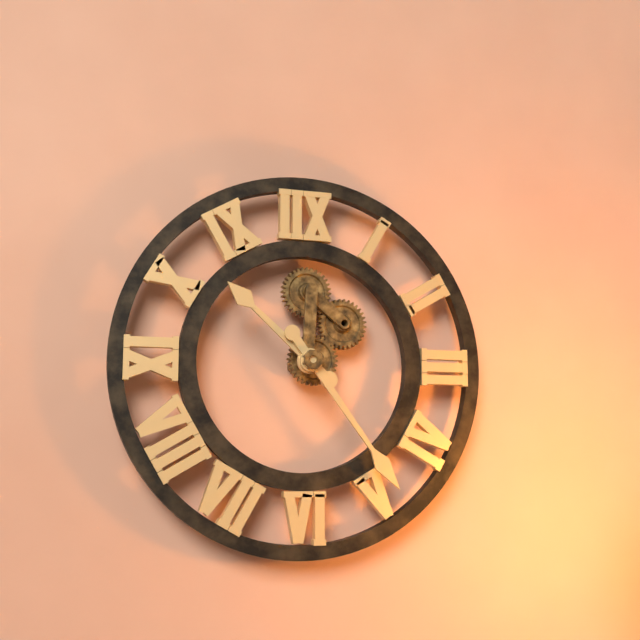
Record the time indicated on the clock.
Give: 10:24
